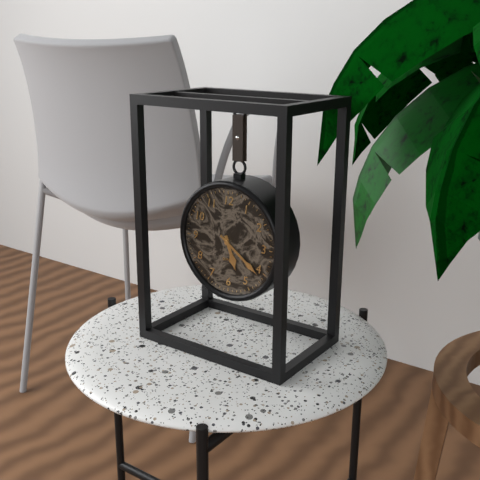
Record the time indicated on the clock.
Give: 5:21
